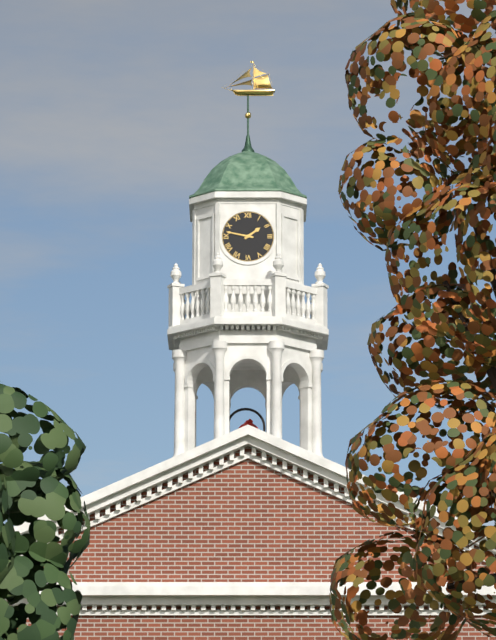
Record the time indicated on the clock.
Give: 1:47
